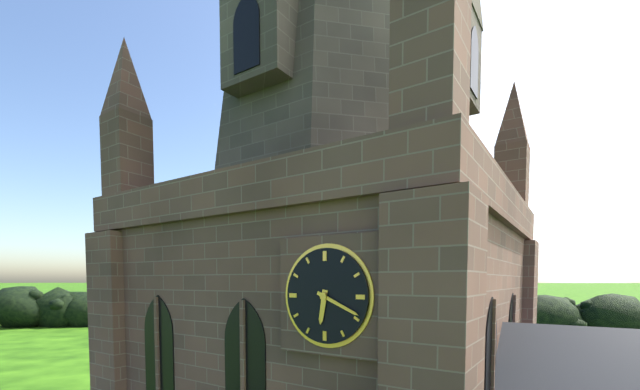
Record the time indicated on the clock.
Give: 6:19
